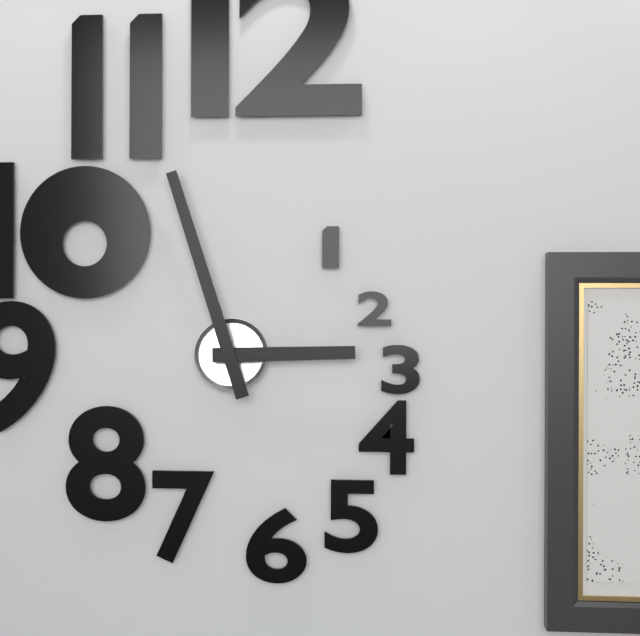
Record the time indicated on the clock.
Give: 2:57
